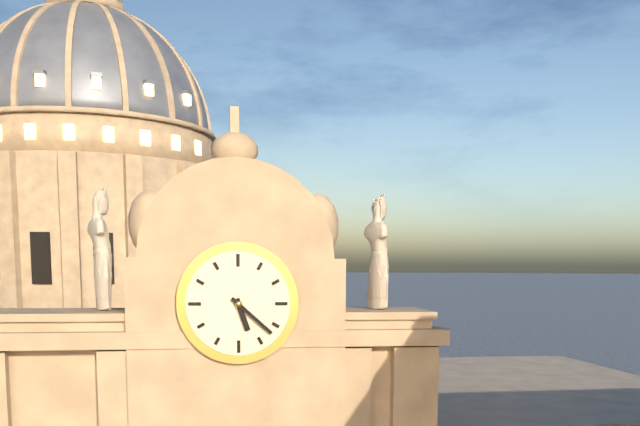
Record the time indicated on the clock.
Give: 5:22
